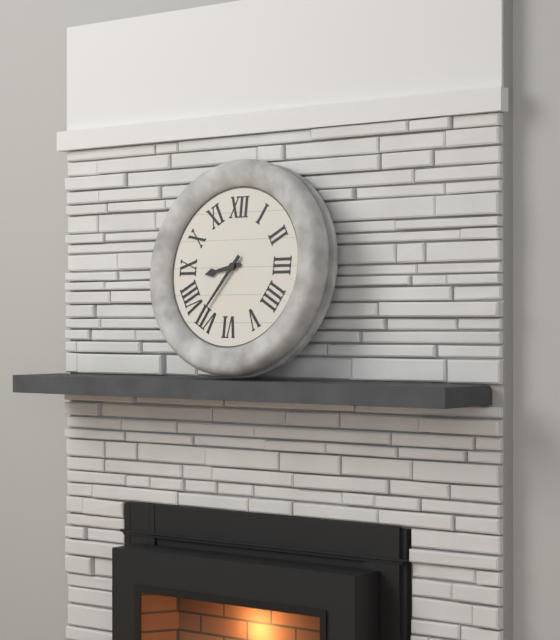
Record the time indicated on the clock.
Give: 8:36
